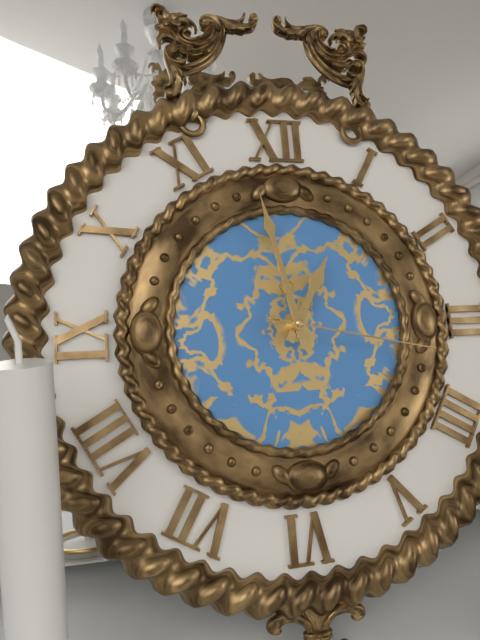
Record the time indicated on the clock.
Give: 12:58:17
